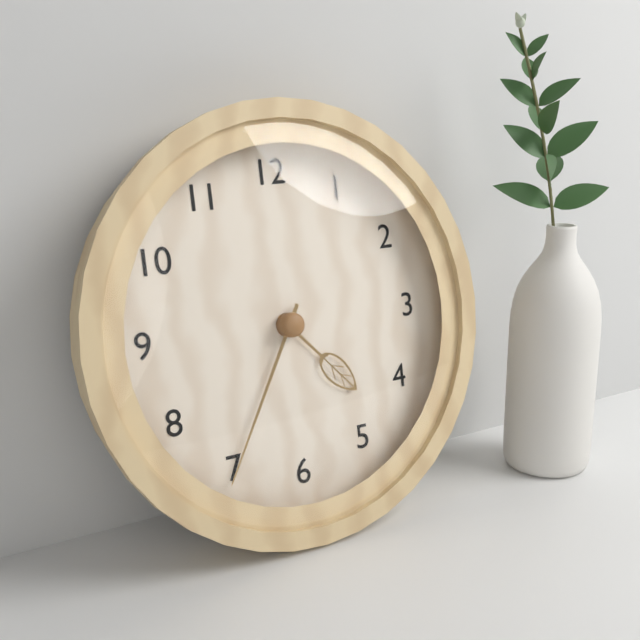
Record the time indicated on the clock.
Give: 4:35
